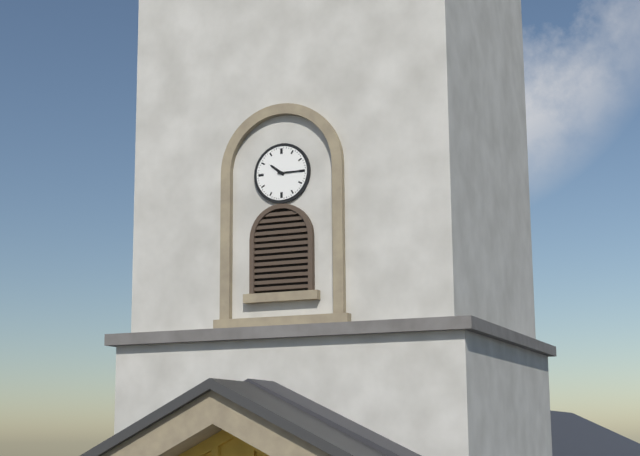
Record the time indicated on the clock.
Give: 10:15
